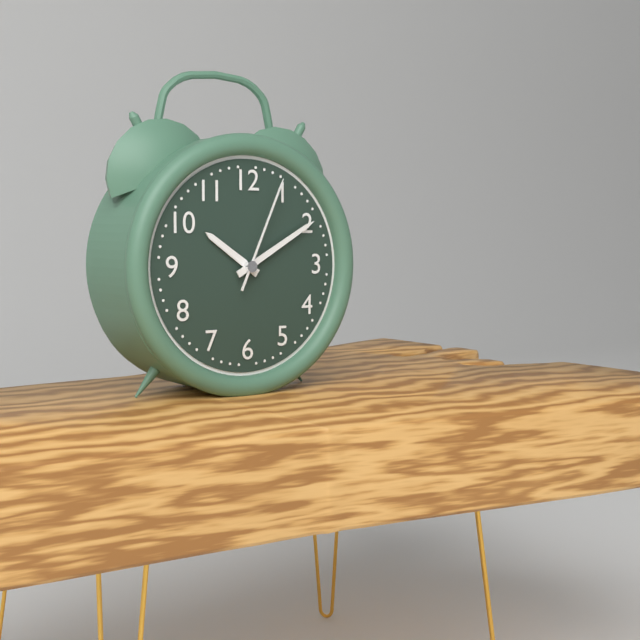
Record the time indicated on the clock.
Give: 10:10:04
